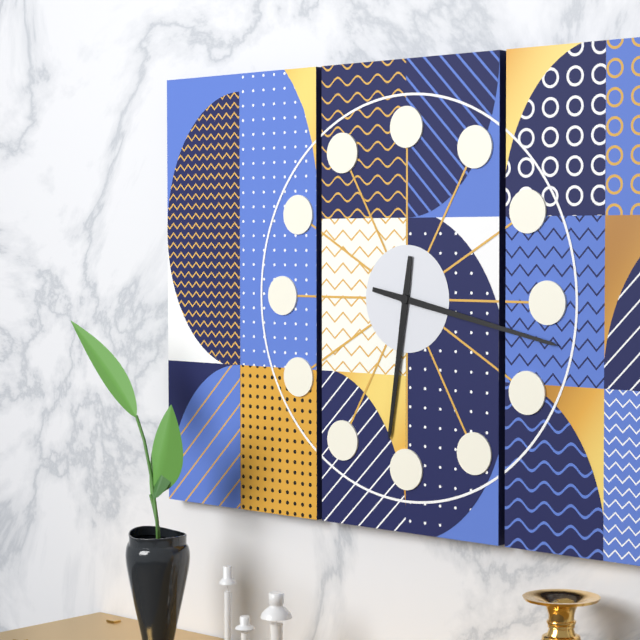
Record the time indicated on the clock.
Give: 6:17
